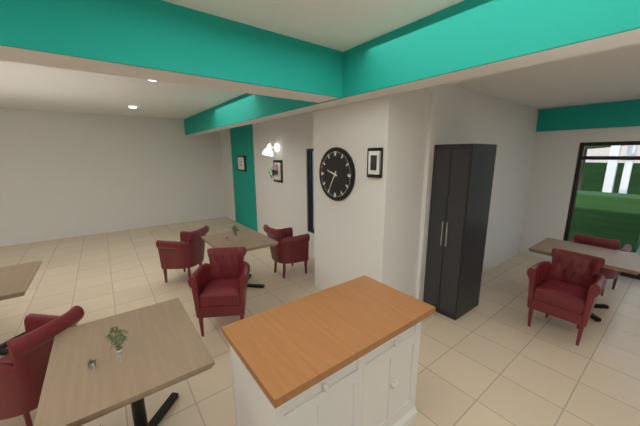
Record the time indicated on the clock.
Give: 9:35
